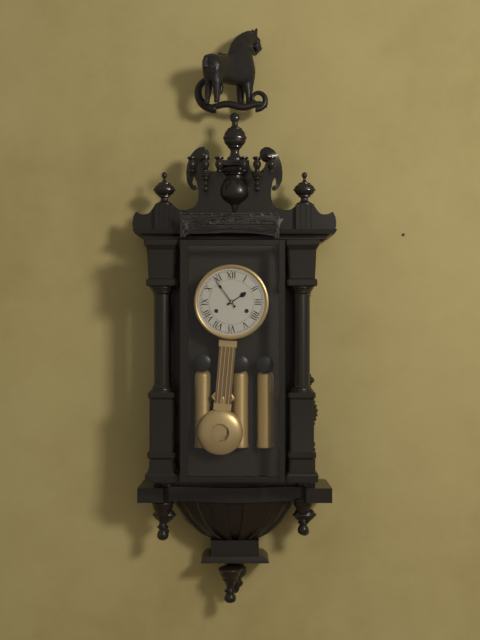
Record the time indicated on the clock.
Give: 1:54
